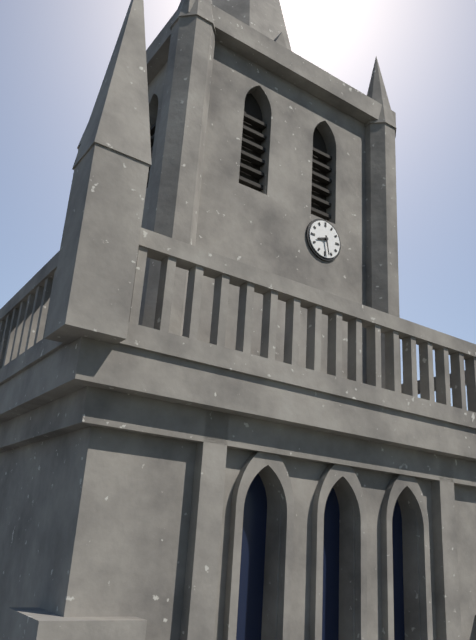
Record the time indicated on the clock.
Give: 8:28
